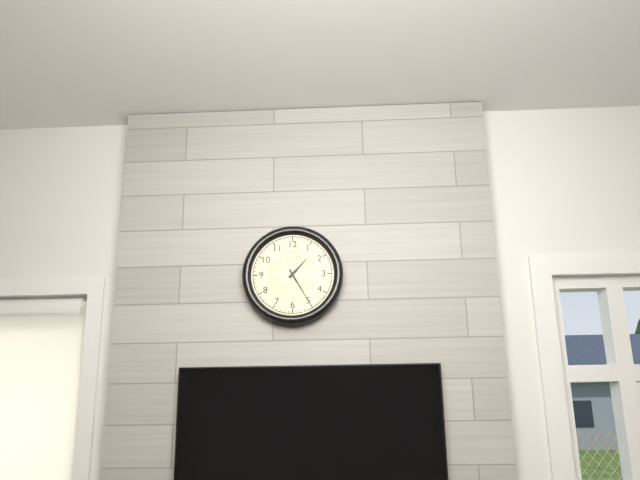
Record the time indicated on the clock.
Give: 1:25
